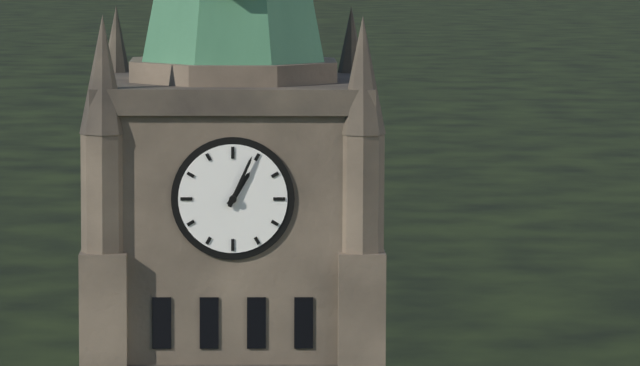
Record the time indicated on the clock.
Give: 1:04
